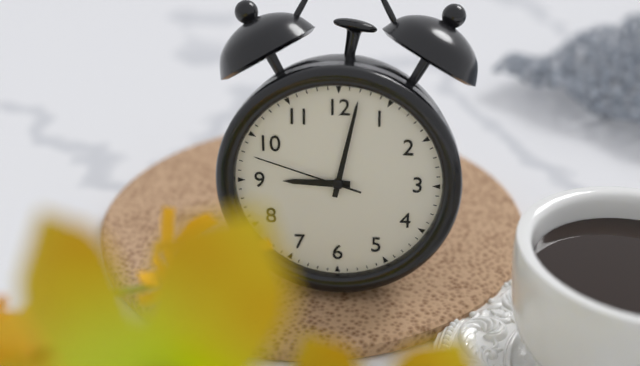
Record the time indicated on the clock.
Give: 9:02:48
